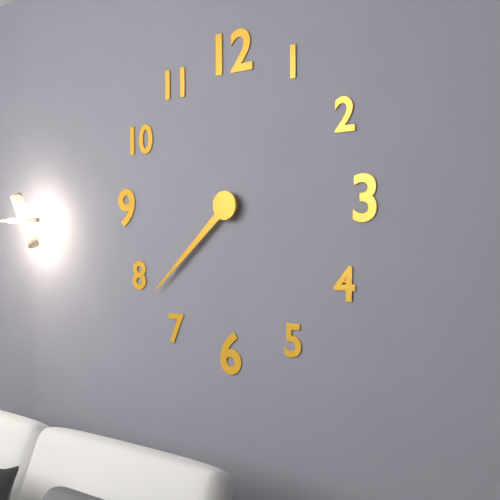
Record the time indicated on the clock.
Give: 7:38
